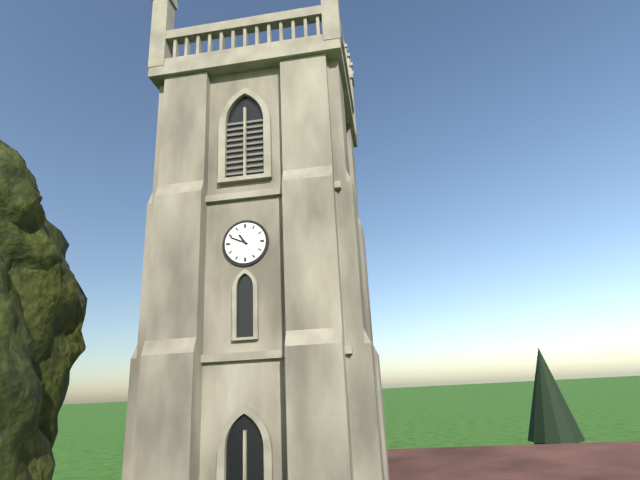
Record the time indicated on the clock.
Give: 10:49
